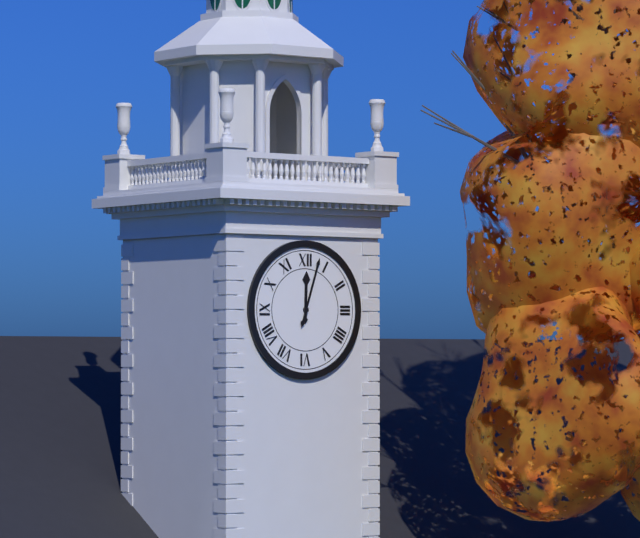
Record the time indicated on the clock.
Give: 12:03
